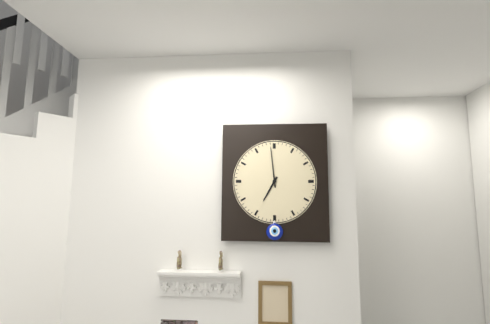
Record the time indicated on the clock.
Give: 6:59
